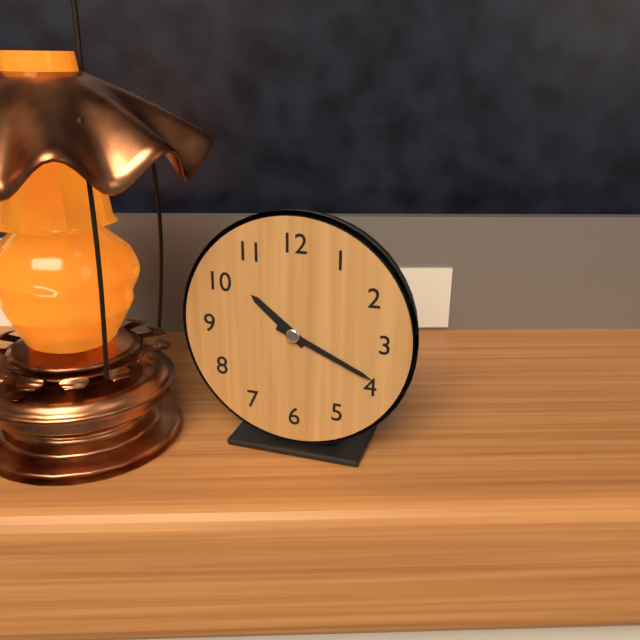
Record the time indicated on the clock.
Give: 10:19
